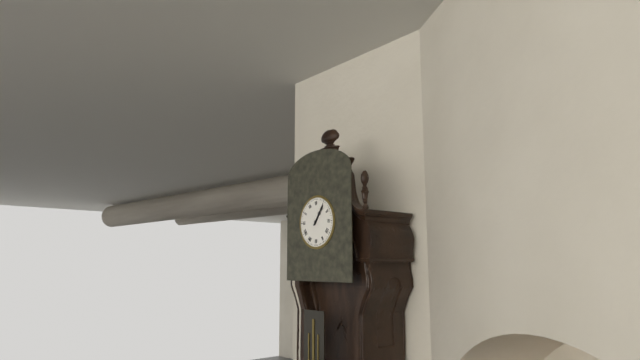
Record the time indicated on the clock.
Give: 1:06
